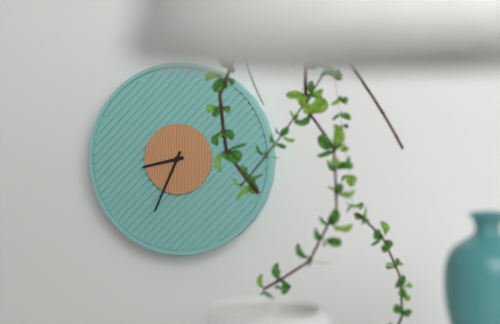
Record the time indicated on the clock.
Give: 8:34
